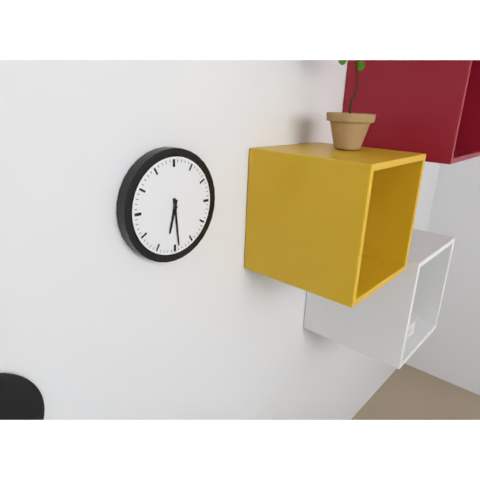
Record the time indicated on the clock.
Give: 6:29
